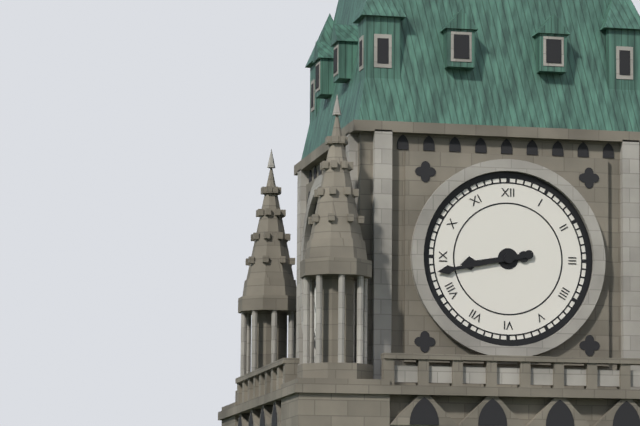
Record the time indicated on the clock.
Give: 8:43
